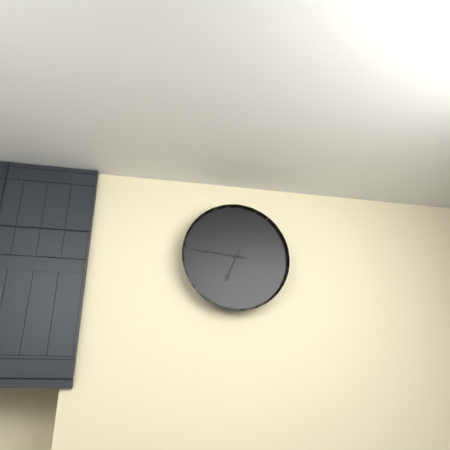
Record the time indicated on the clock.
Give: 6:46
